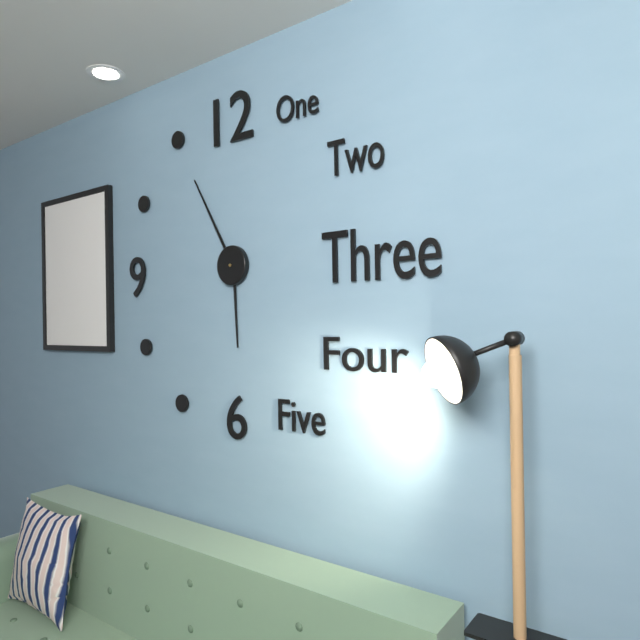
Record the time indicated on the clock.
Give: 5:55
